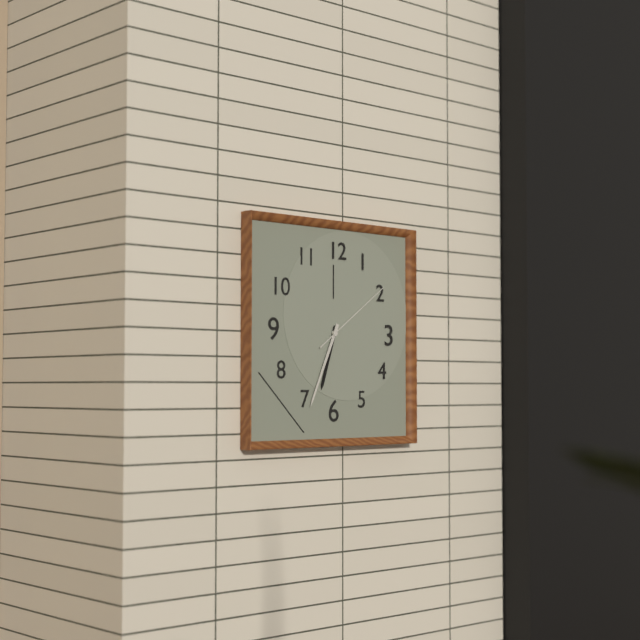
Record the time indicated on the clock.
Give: 6:34:09
